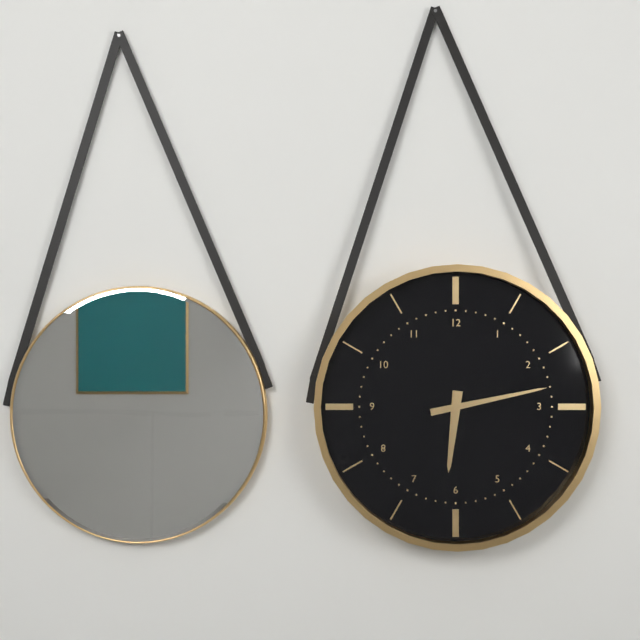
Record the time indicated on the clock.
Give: 6:13
